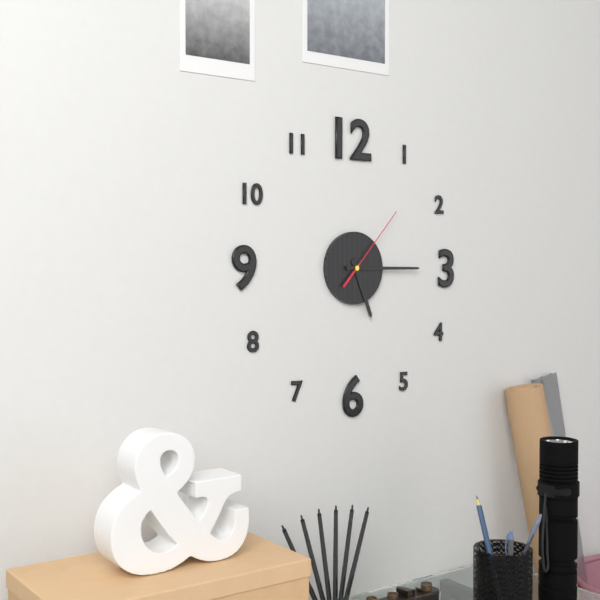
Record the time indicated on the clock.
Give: 5:15:07
